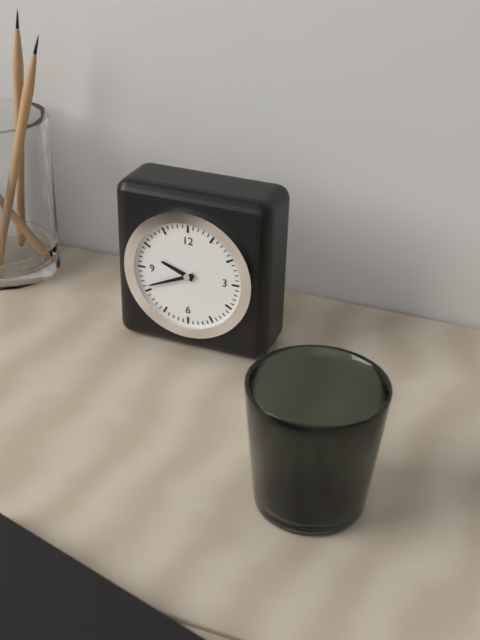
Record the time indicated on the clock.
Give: 9:41
